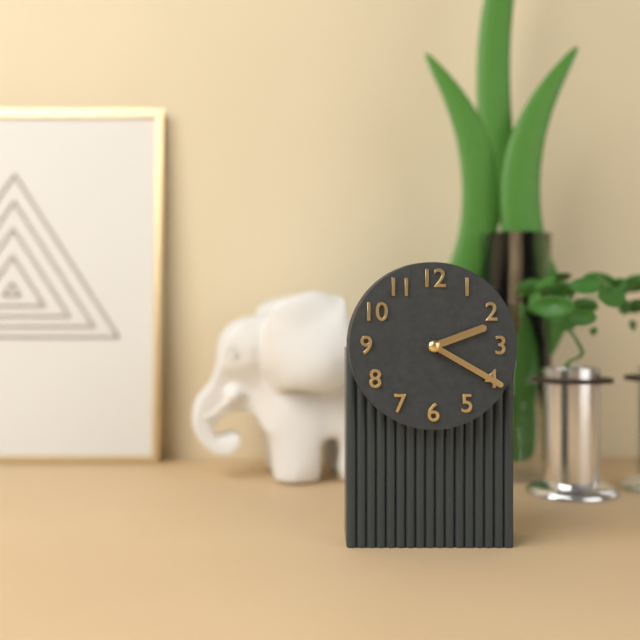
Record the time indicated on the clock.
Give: 2:20
